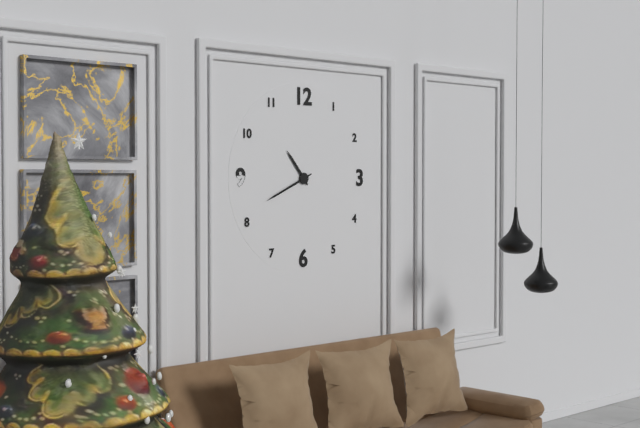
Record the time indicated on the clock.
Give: 10:41
